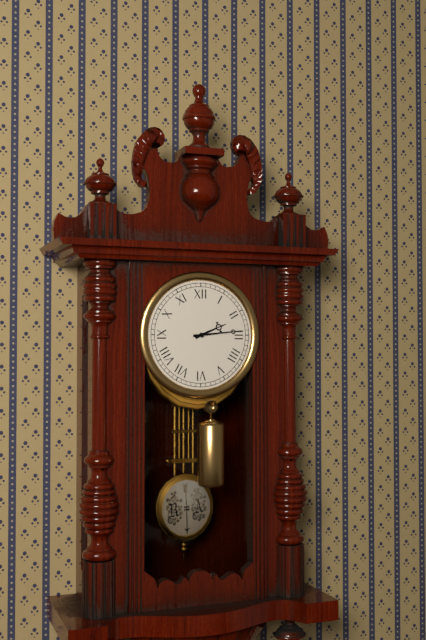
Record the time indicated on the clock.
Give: 2:14
